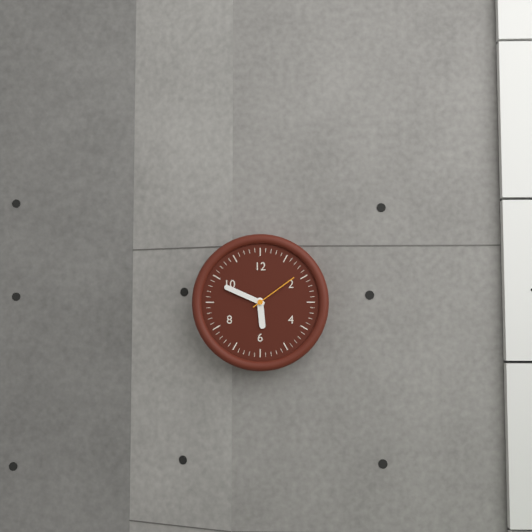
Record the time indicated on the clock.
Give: 5:49:09
